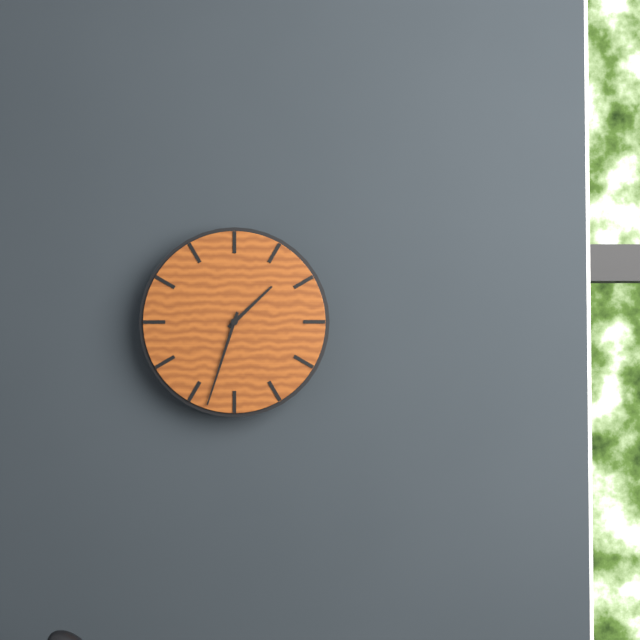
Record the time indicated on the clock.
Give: 1:33
